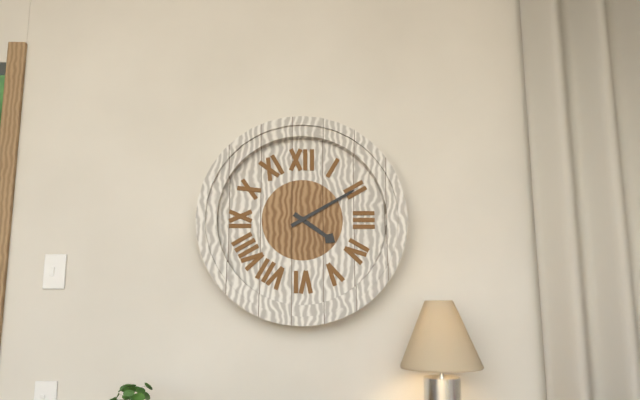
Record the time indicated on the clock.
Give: 4:10
